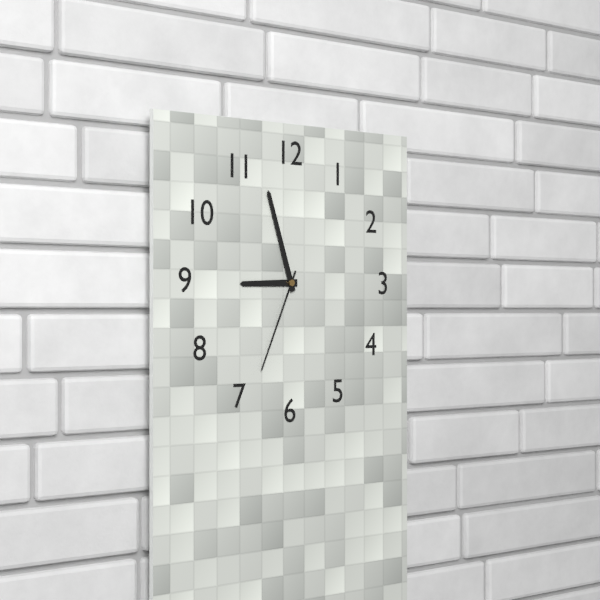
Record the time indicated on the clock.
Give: 8:57:34
